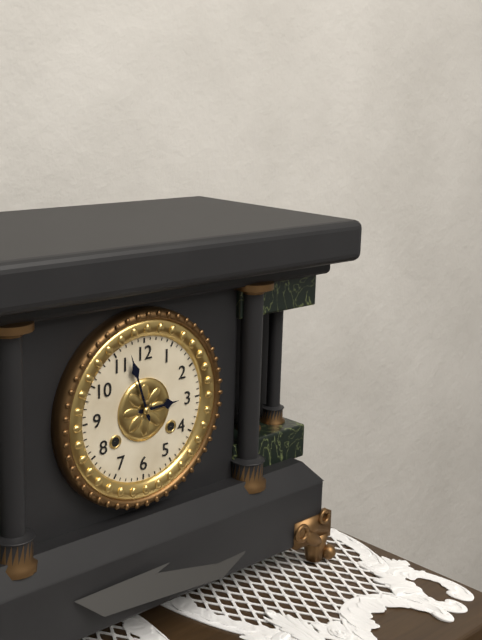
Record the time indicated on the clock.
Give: 2:57
